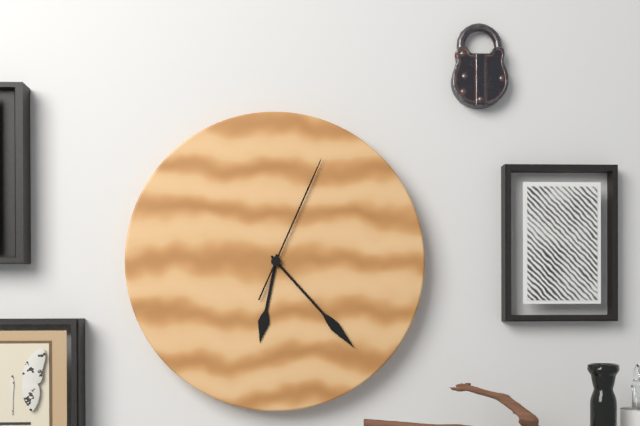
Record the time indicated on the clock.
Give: 6:23:04
